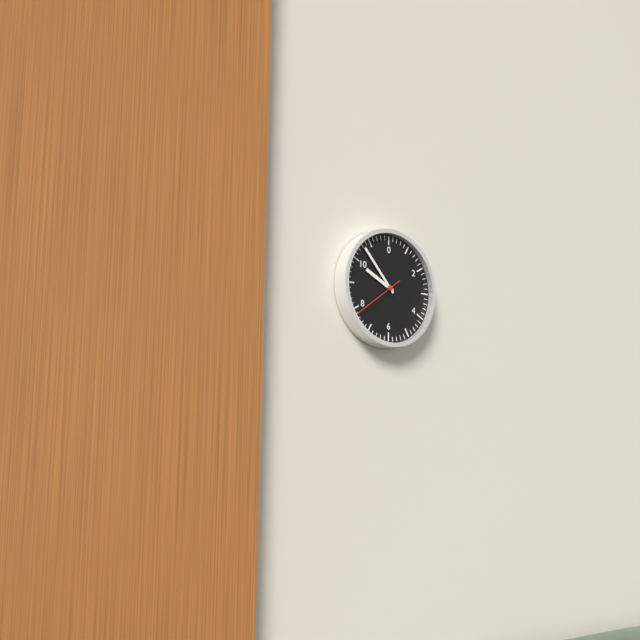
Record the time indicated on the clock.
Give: 9:53:39
